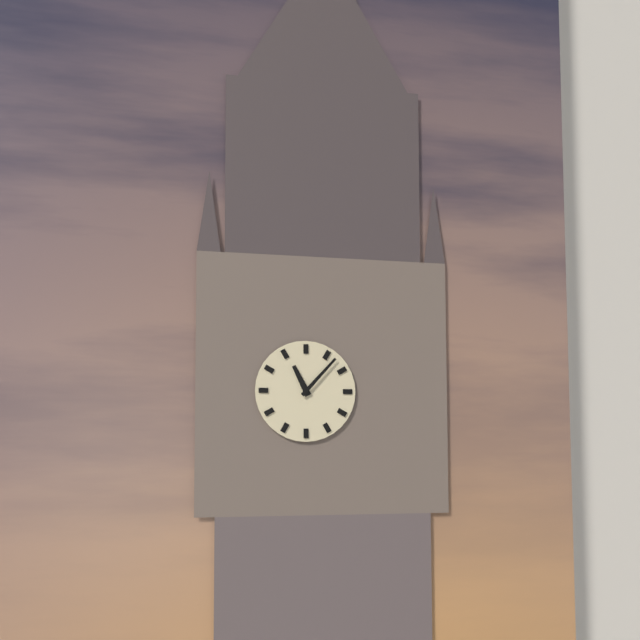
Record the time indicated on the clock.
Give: 11:07
